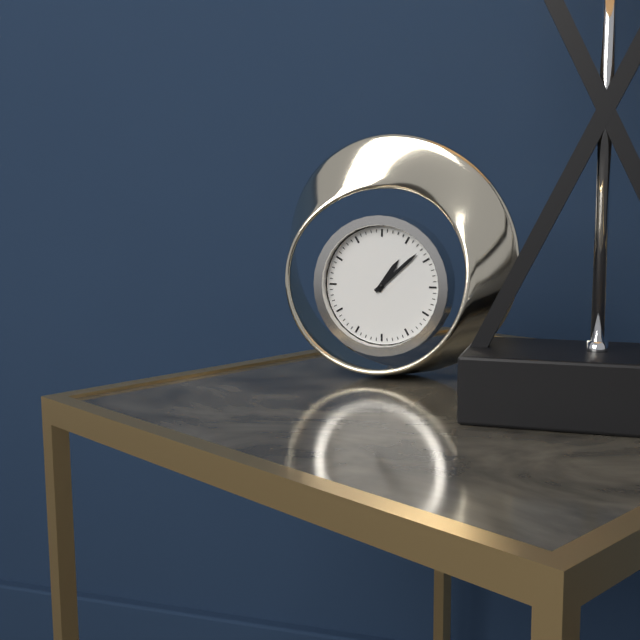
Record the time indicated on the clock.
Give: 1:08
